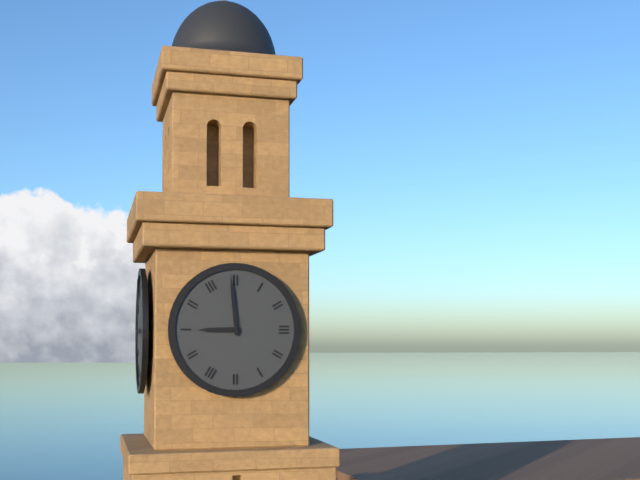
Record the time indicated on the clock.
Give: 8:59
